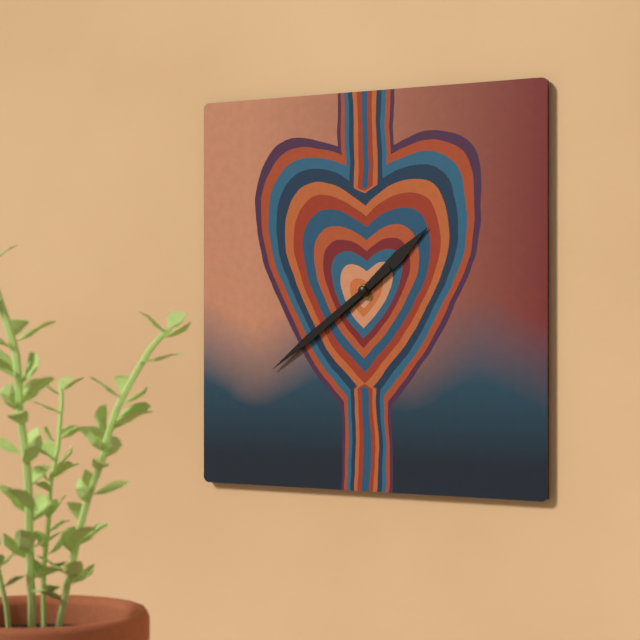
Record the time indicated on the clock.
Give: 1:39
